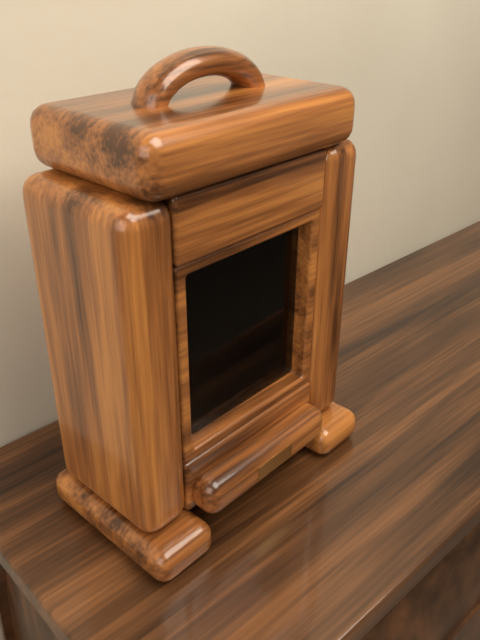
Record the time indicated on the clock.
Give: 5:32:06
